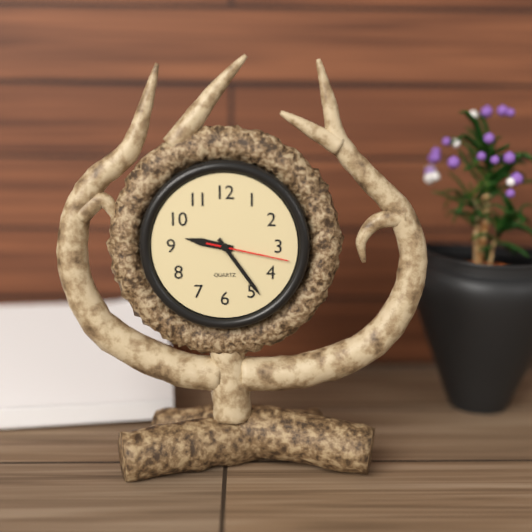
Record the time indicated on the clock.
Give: 9:24:17
